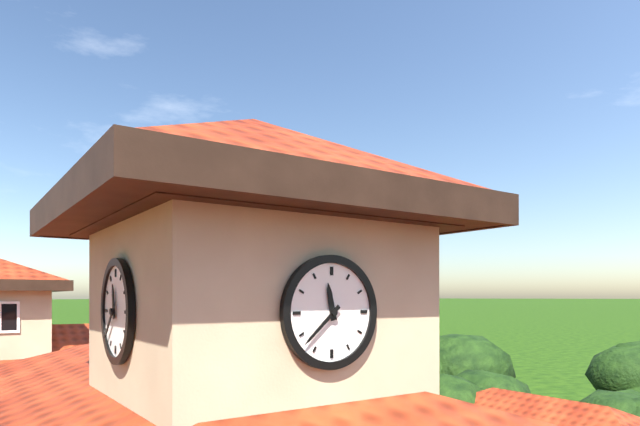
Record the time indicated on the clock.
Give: 11:38
